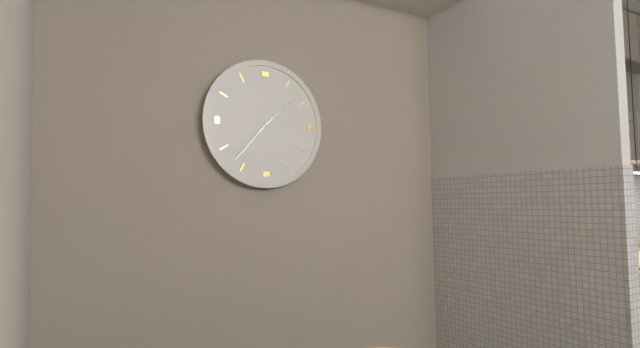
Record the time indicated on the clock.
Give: 1:37
